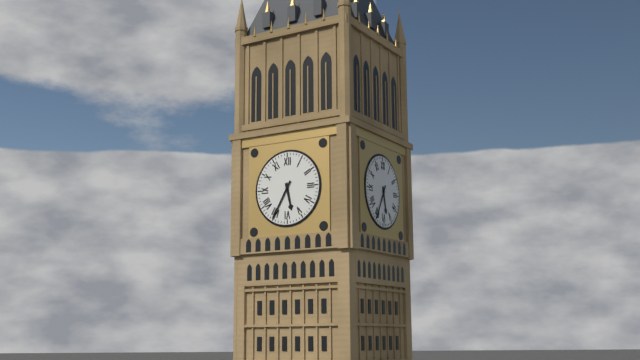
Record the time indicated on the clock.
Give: 5:35
